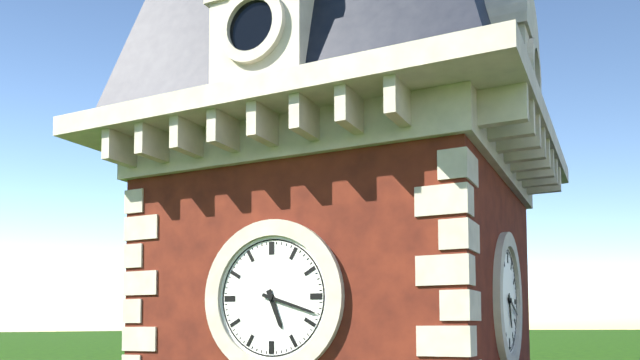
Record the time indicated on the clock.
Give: 5:18
